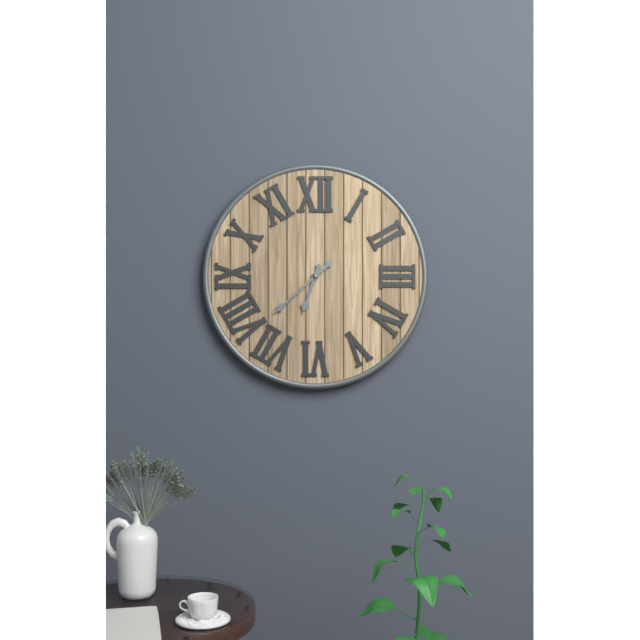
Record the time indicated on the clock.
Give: 6:38
